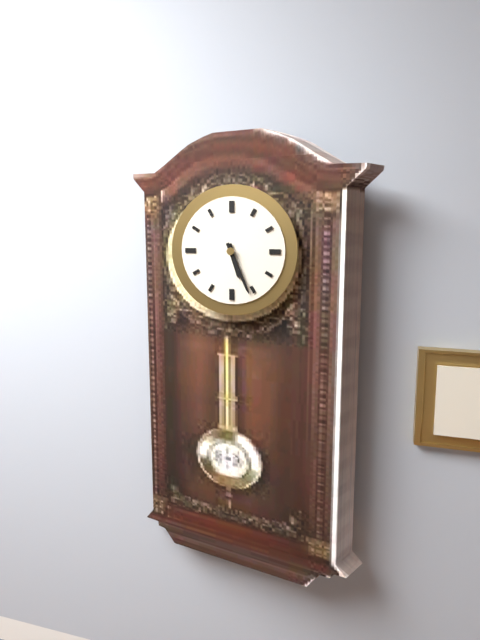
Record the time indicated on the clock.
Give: 5:26
